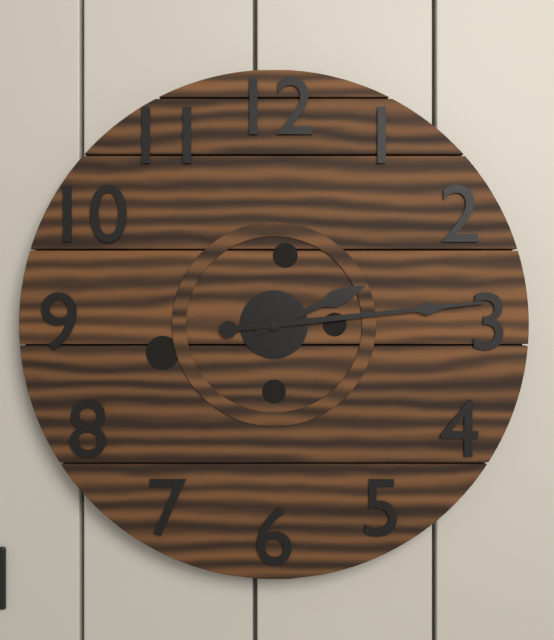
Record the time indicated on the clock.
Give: 2:14
